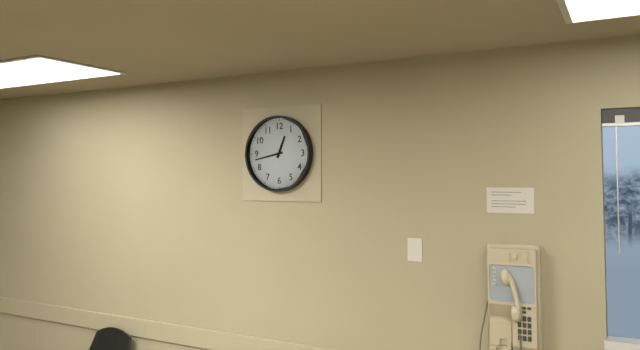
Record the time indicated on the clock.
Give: 12:43
